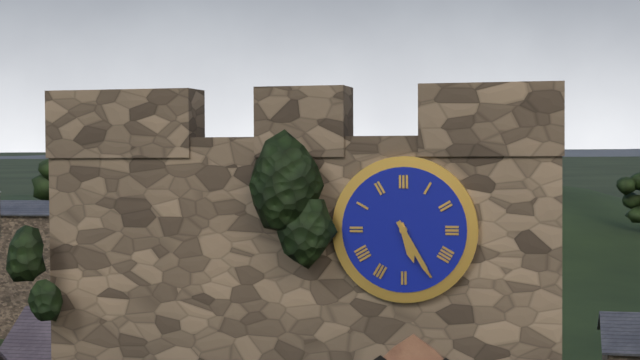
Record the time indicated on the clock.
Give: 5:25
